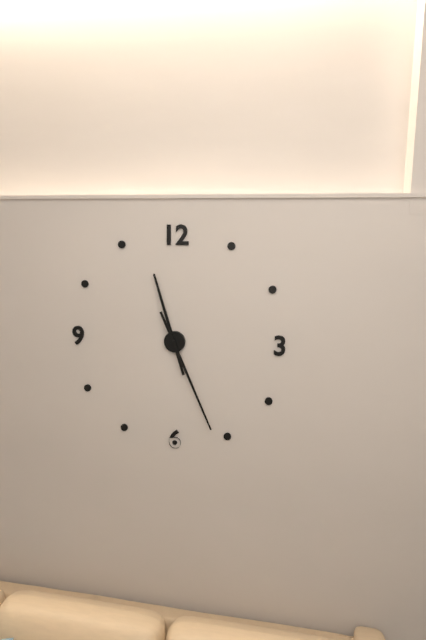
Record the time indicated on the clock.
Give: 11:26
